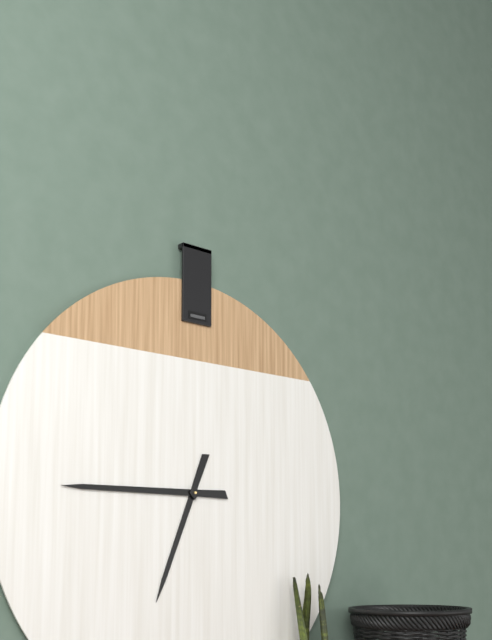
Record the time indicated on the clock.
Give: 6:45
